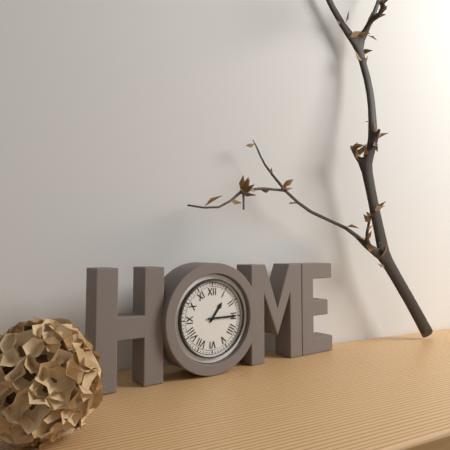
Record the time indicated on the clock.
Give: 1:15
